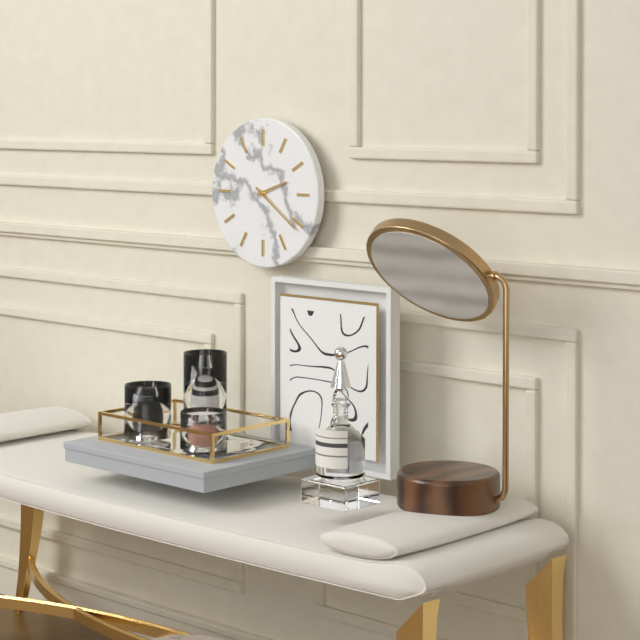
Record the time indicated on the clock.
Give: 2:21
